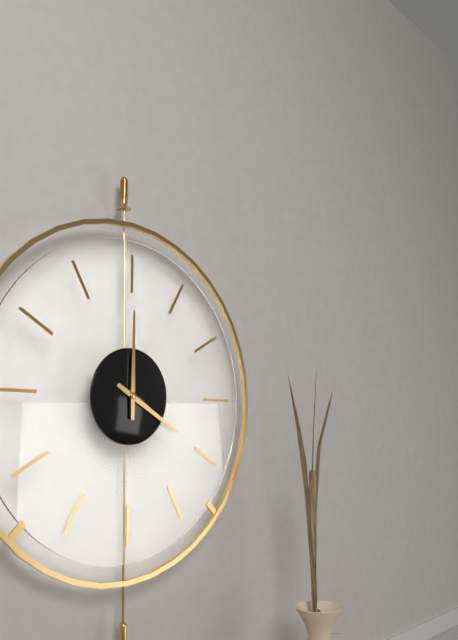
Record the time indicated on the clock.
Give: 4:00
